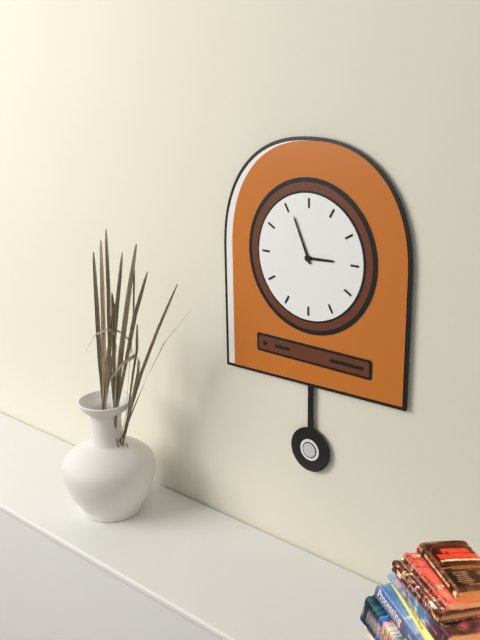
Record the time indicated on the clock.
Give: 2:56
